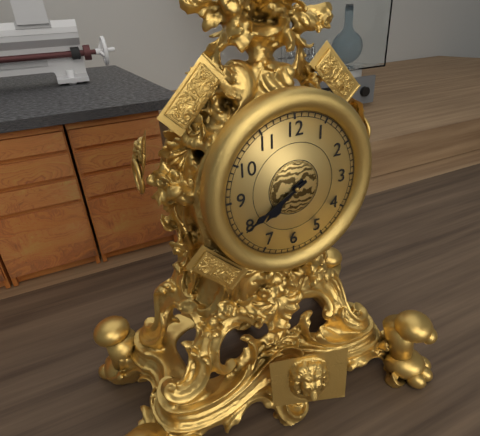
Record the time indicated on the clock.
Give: 7:40
